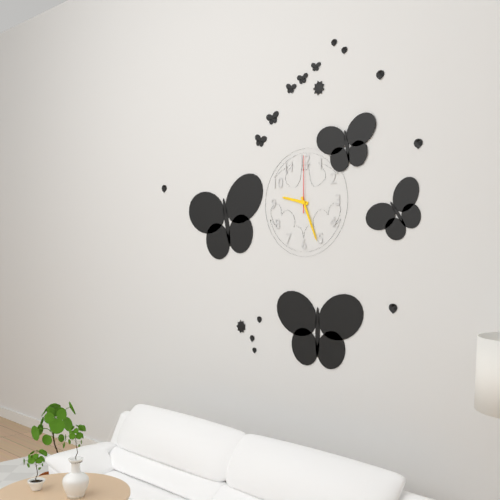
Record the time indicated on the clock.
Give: 9:26:00
